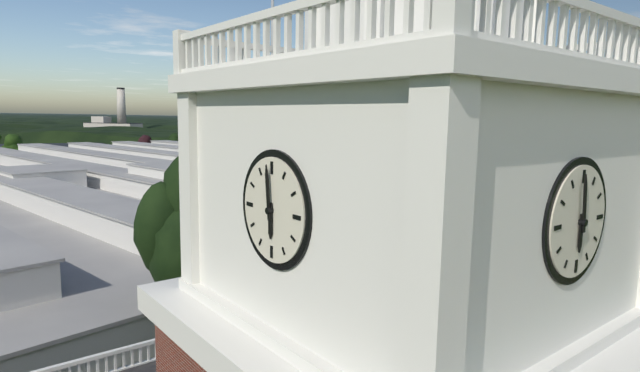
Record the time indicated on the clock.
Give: 5:59
